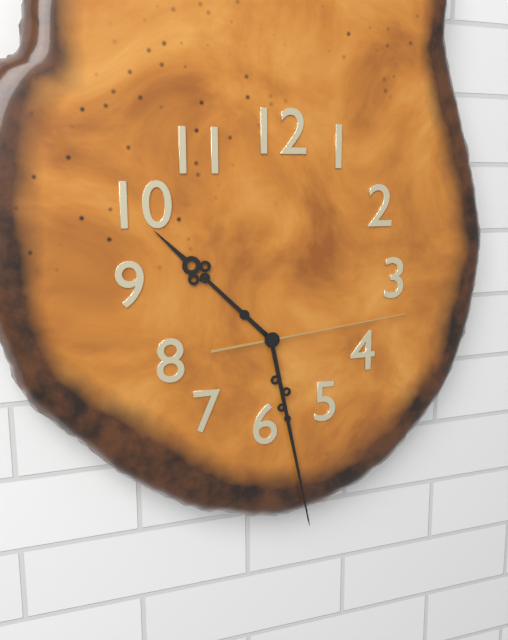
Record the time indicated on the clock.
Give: 10:28:14
